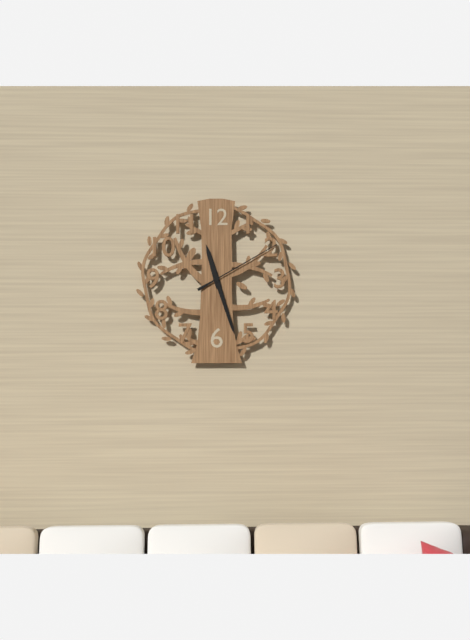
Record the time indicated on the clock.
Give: 11:27:10
